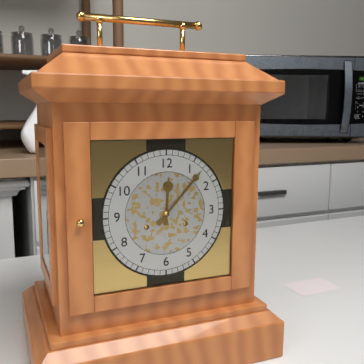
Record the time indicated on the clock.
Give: 12:07
